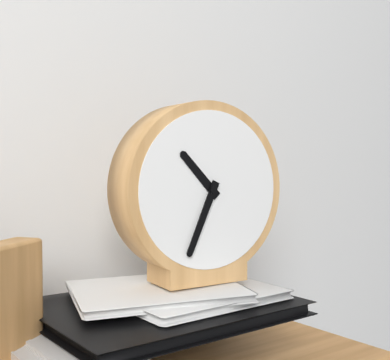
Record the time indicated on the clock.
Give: 10:34
